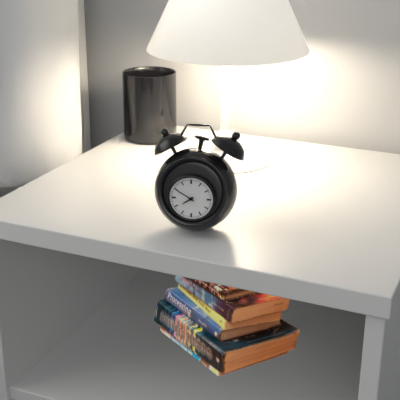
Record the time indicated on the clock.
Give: 7:50
